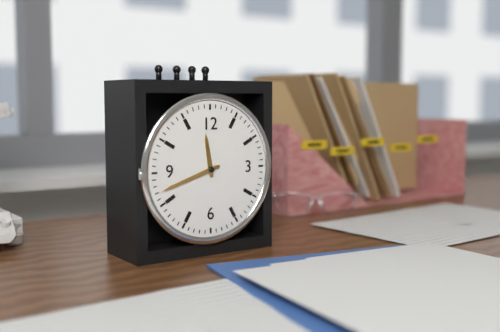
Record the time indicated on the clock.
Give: 11:42
